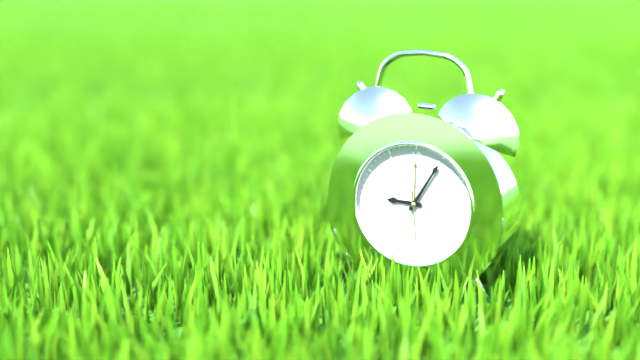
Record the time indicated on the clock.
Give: 9:05:29
